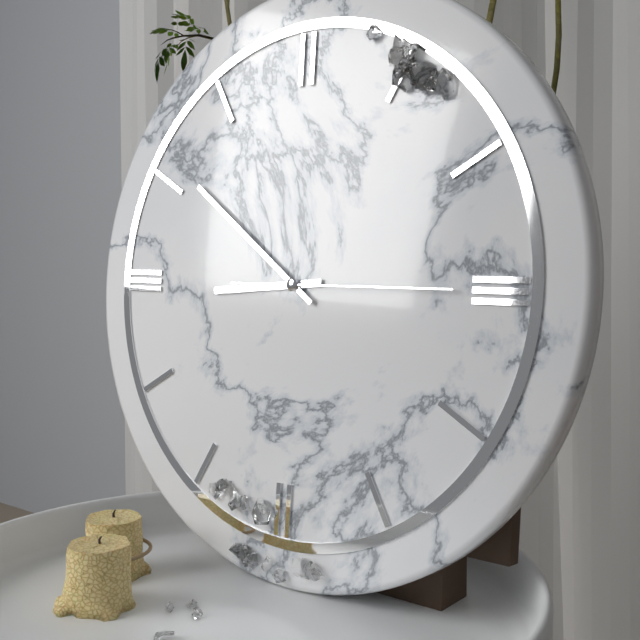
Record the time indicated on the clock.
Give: 8:51:15
